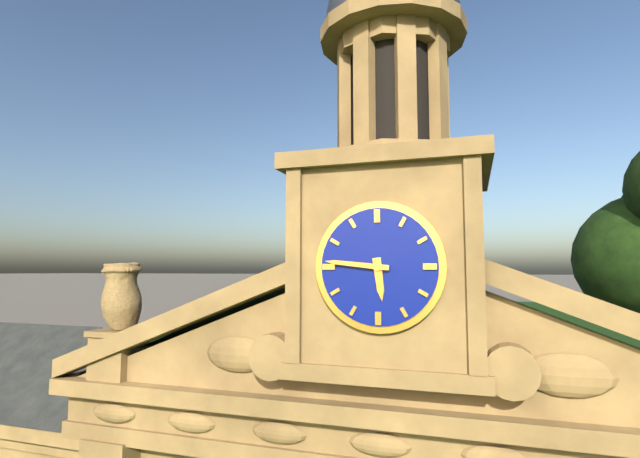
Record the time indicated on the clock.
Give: 5:46
